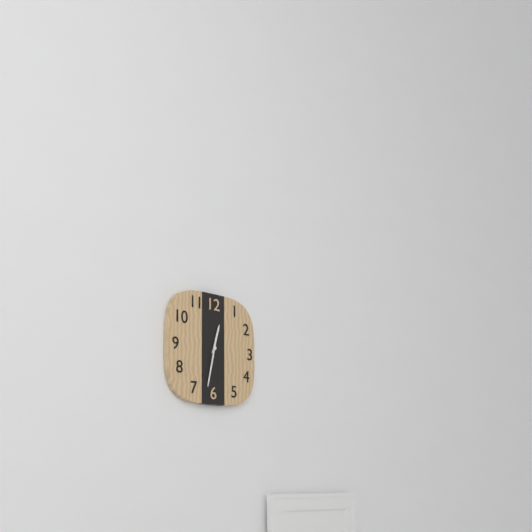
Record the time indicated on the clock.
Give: 12:32
